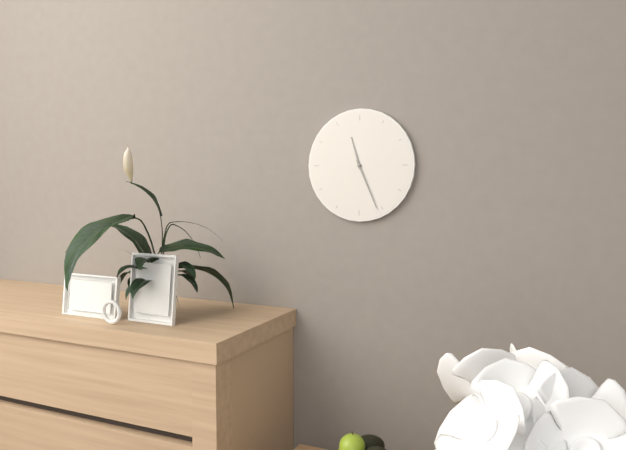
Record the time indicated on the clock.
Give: 11:26
